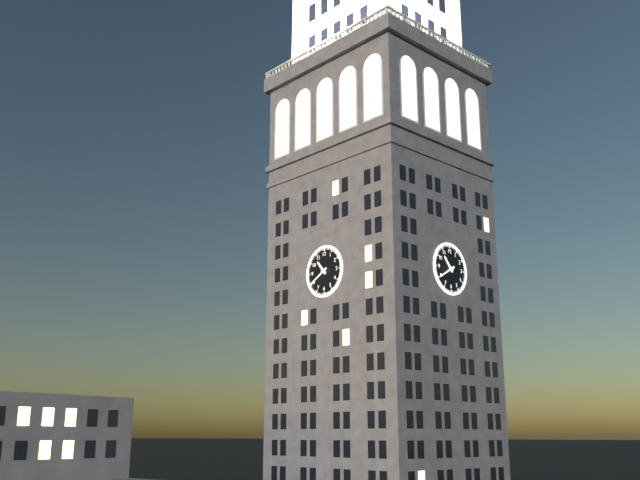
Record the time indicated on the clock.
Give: 10:40
